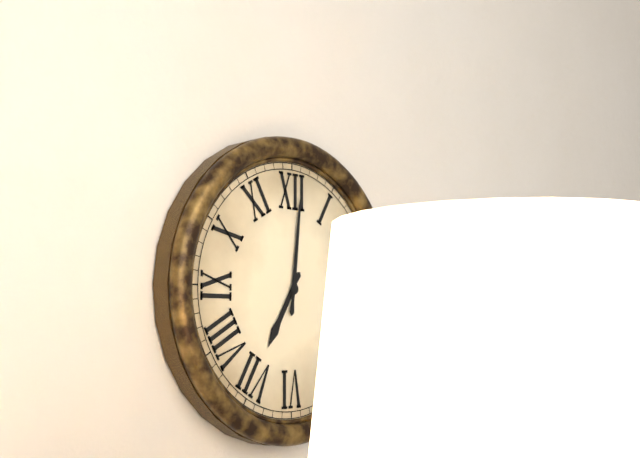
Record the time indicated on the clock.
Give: 7:01
